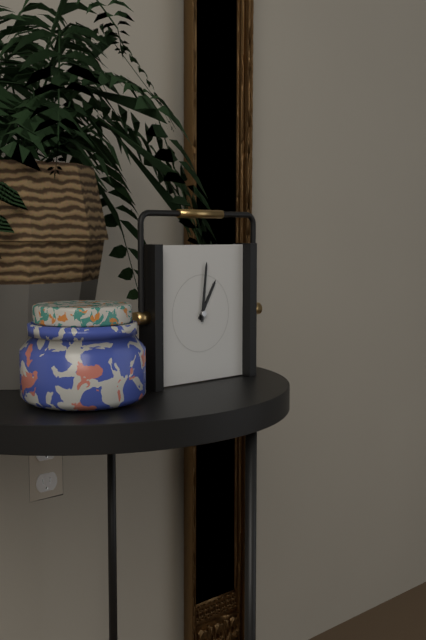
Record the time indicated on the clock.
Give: 1:01
